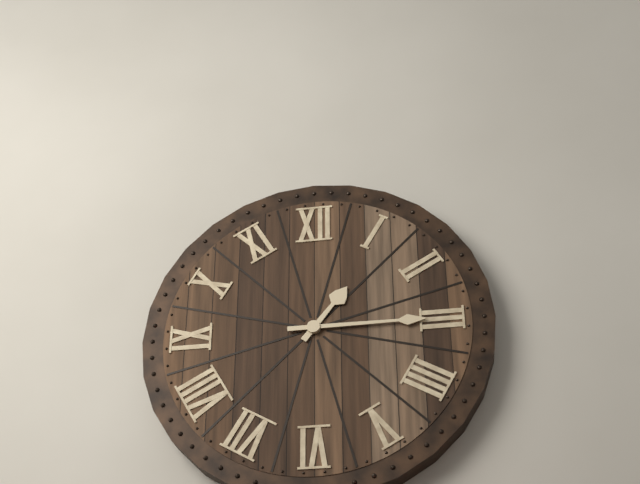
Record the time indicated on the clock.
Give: 1:15
